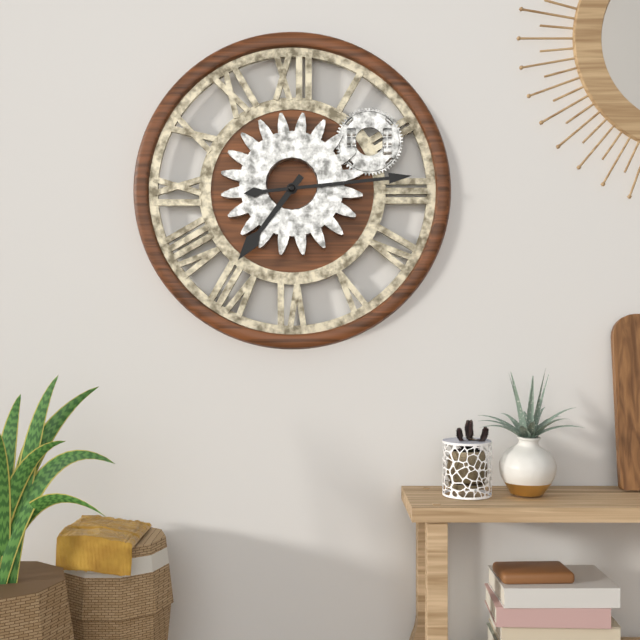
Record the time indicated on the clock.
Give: 7:14
